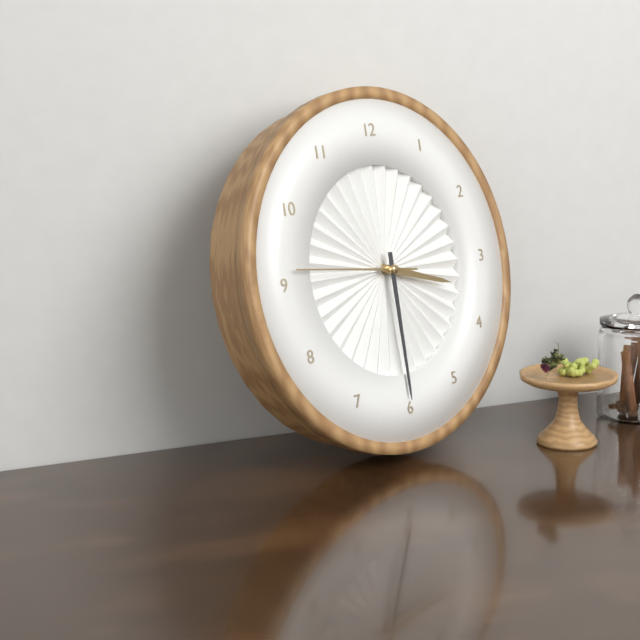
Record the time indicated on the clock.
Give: 3:30:46
